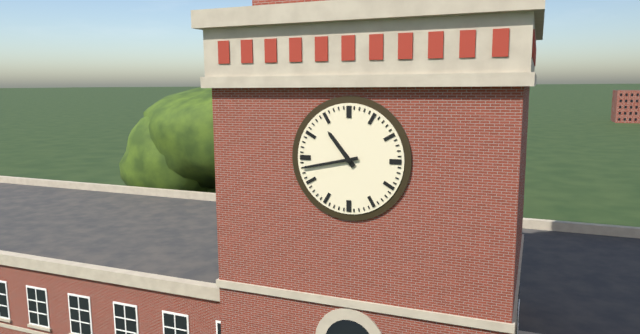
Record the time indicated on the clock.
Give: 10:43
